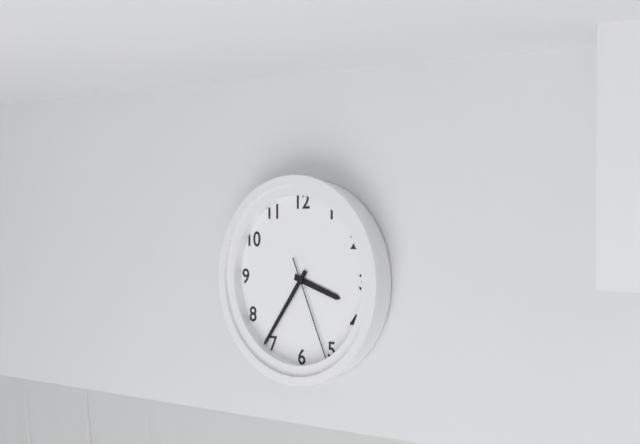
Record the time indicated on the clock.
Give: 3:36:26
